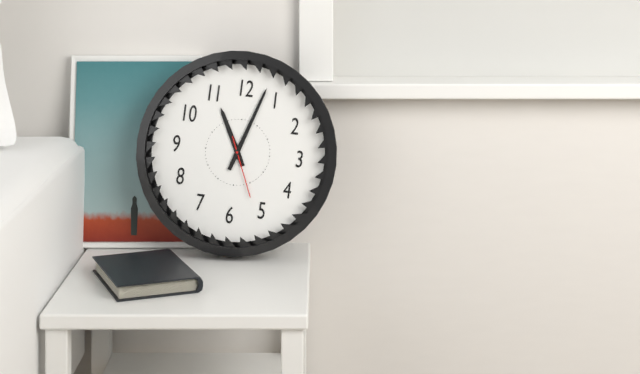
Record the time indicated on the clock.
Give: 11:03:26
